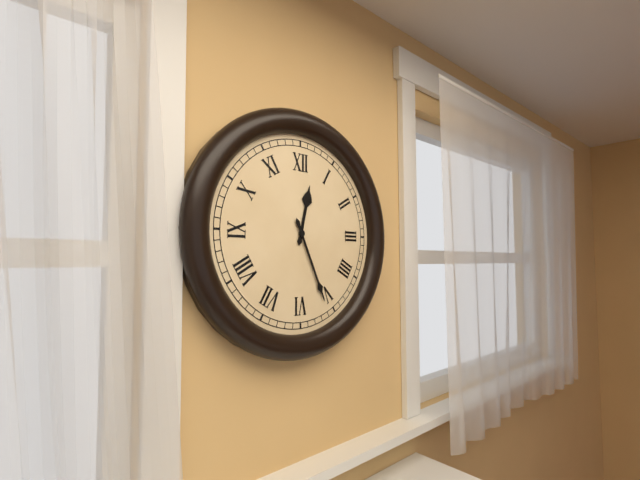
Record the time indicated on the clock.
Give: 12:26
